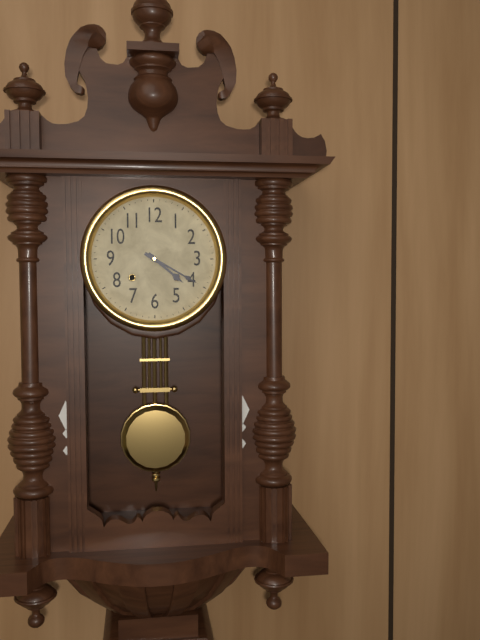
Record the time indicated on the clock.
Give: 4:20
